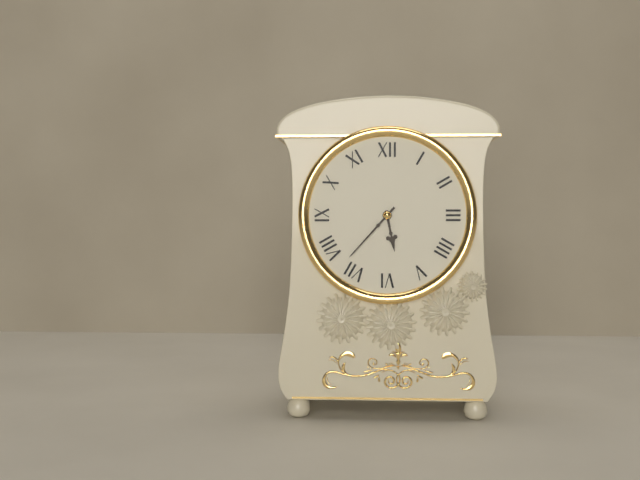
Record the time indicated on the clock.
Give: 5:37
